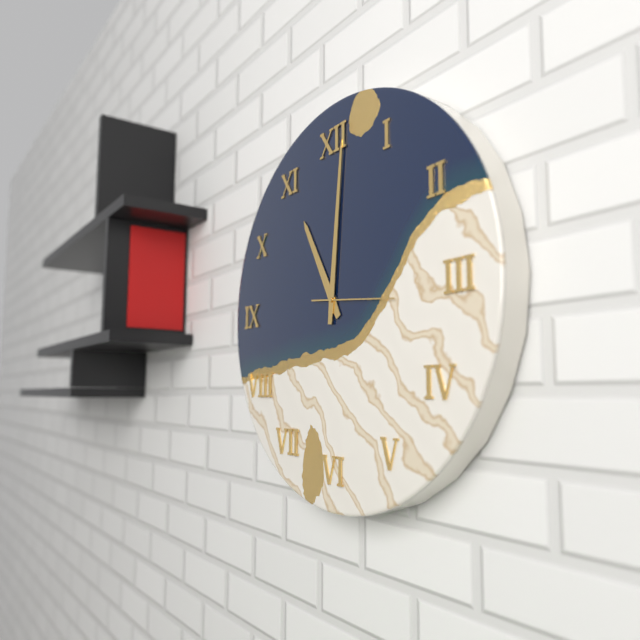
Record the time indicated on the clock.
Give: 11:01:16
